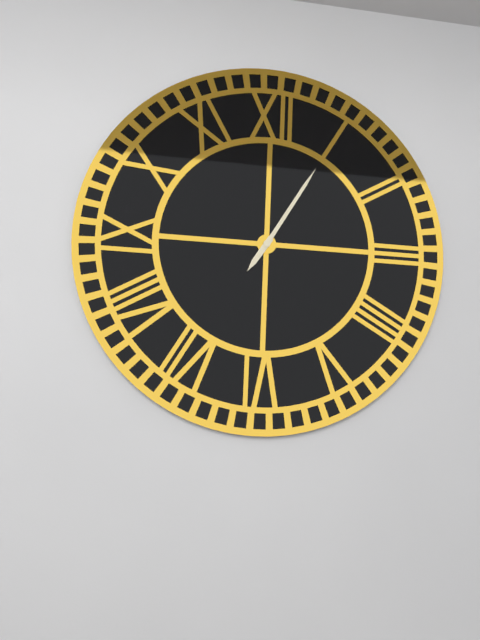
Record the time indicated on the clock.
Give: 7:05
